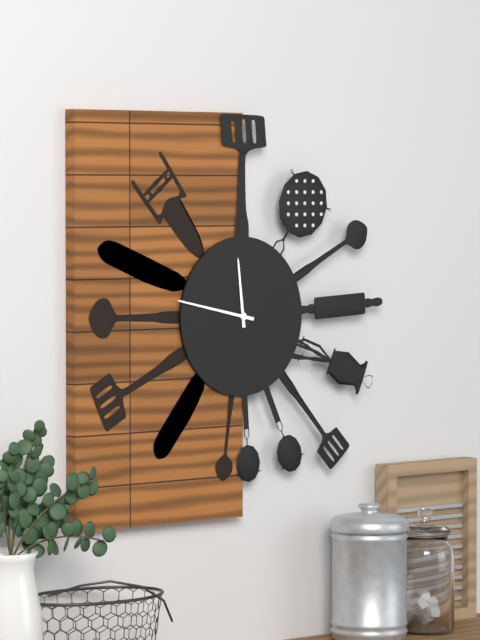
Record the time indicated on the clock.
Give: 11:47
